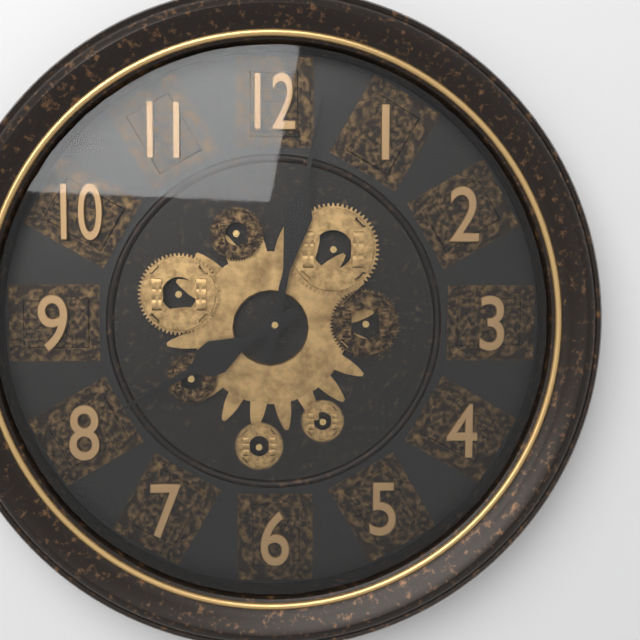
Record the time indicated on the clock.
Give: 8:02
